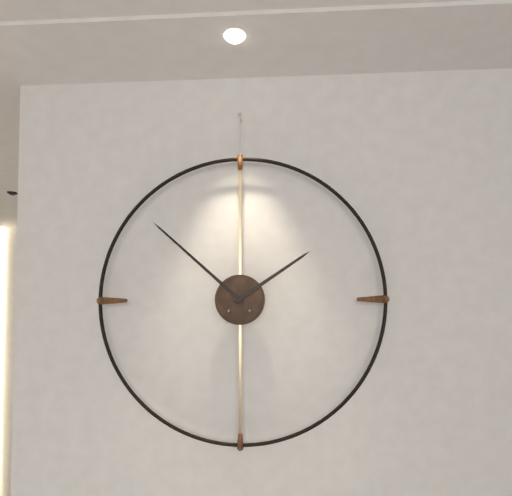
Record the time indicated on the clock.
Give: 1:52
